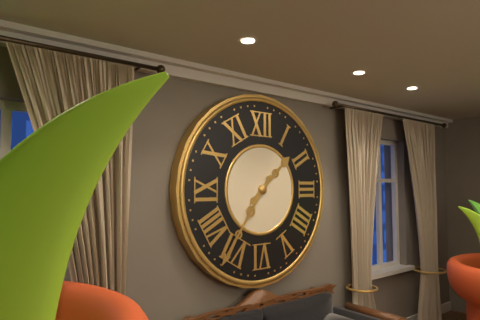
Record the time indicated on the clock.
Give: 1:36
